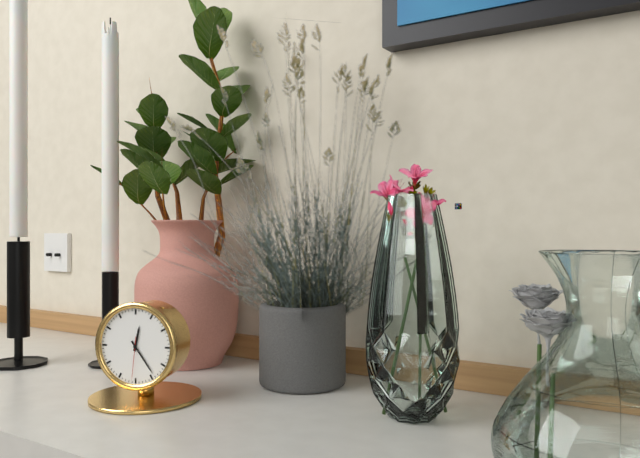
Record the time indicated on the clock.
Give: 12:24
